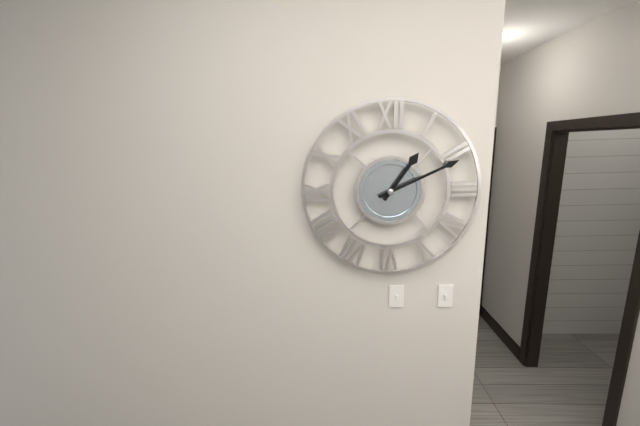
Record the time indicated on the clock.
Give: 1:11
